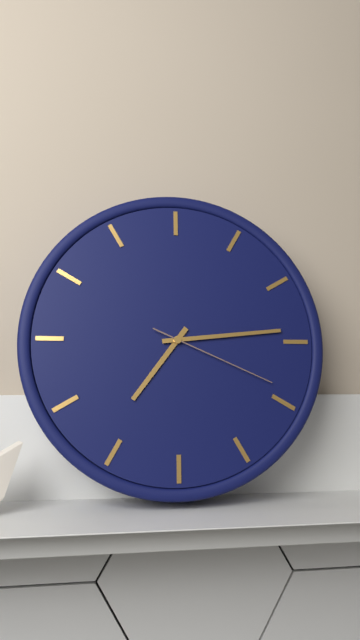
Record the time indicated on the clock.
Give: 7:14:19
